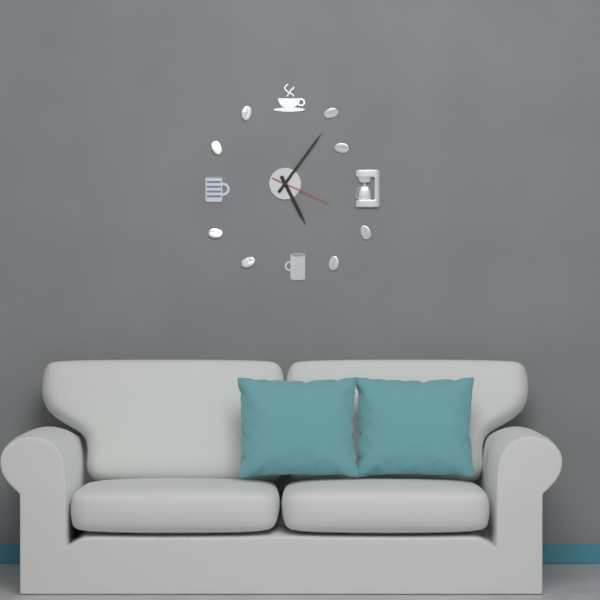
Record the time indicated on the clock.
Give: 5:06:19
